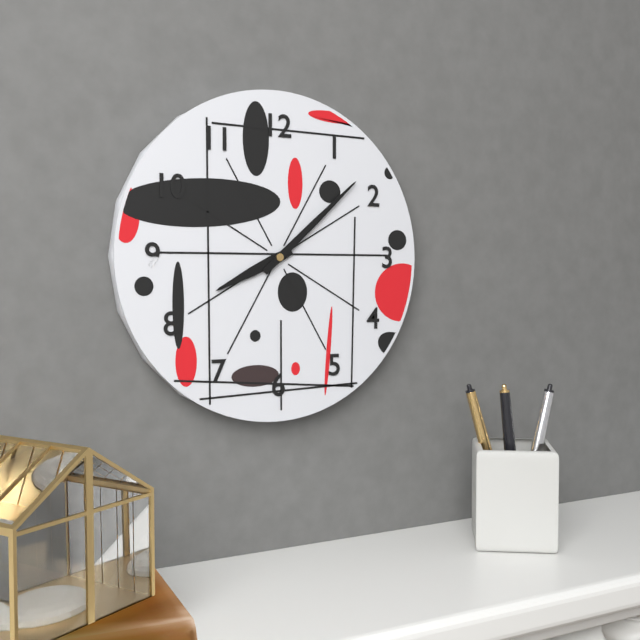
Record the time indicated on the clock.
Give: 8:08
